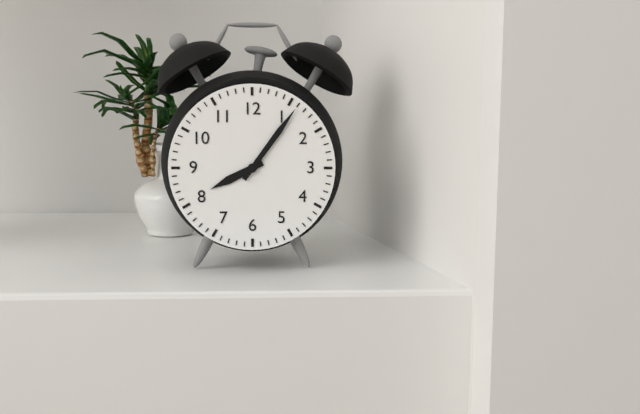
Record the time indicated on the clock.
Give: 8:06
